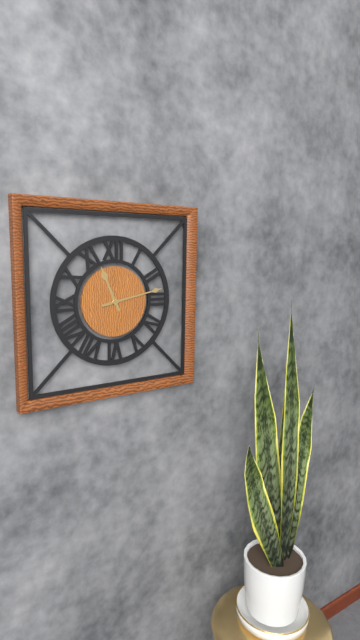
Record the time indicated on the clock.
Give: 11:13
